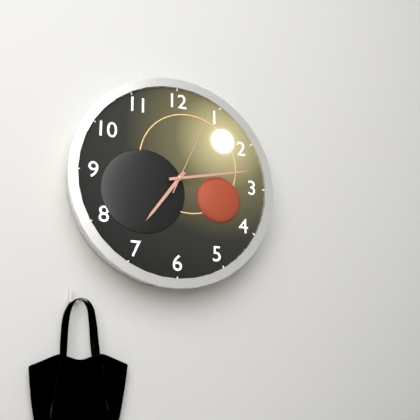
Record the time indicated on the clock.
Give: 7:13:04
